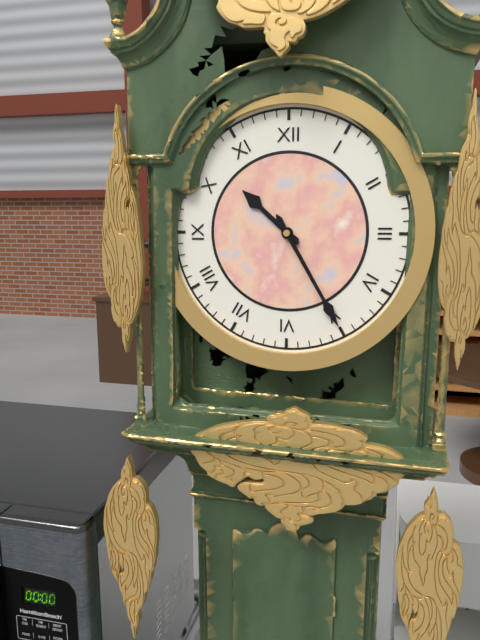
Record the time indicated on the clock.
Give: 10:25
